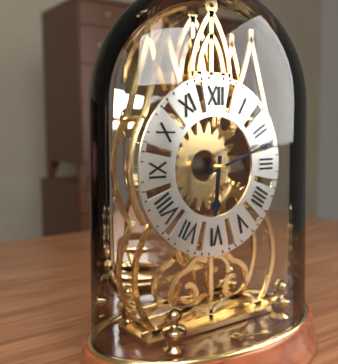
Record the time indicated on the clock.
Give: 6:12
